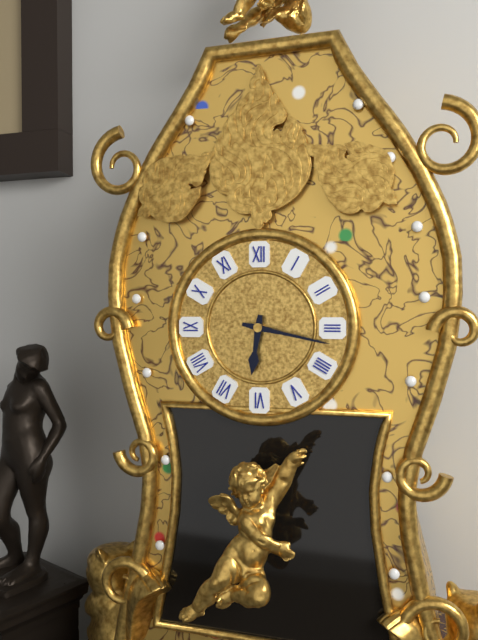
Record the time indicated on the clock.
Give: 6:17
